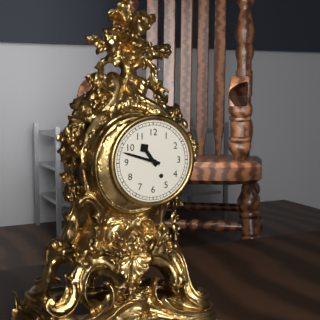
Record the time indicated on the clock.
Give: 10:48
